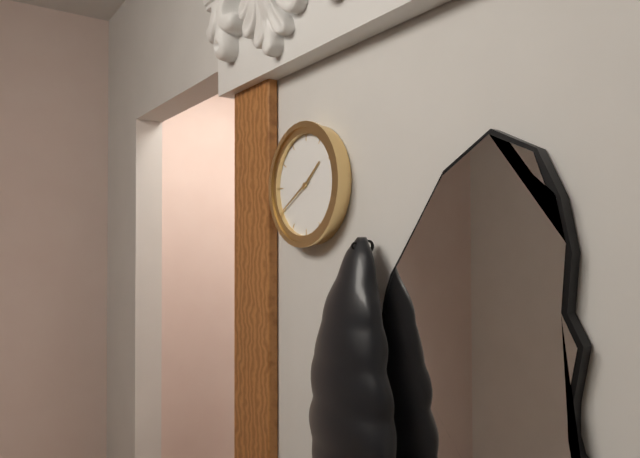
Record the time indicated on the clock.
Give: 1:40
